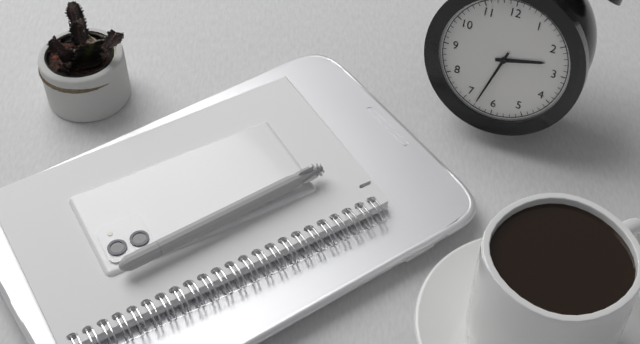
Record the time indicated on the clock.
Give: 2:33
